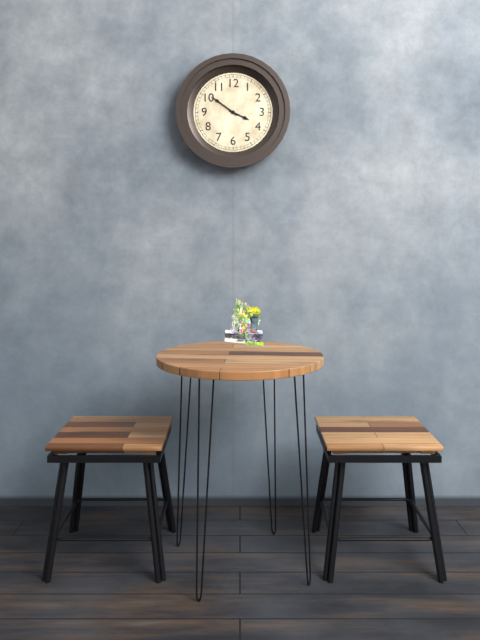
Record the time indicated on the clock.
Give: 3:51
